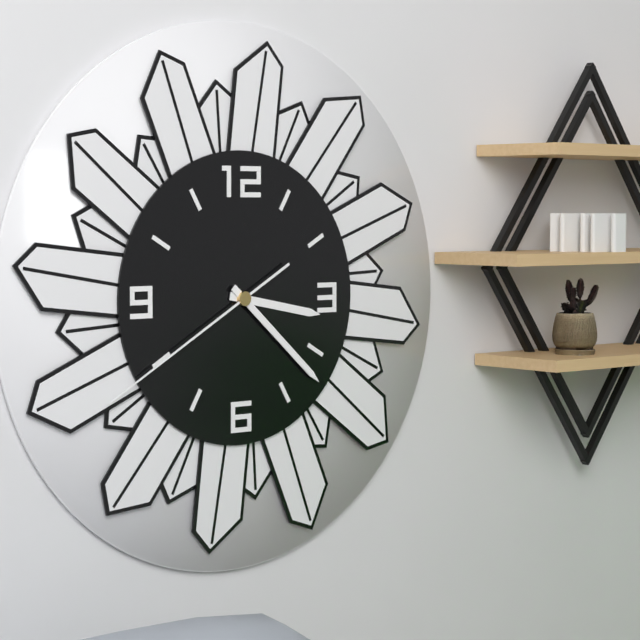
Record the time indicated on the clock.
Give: 3:22:40
